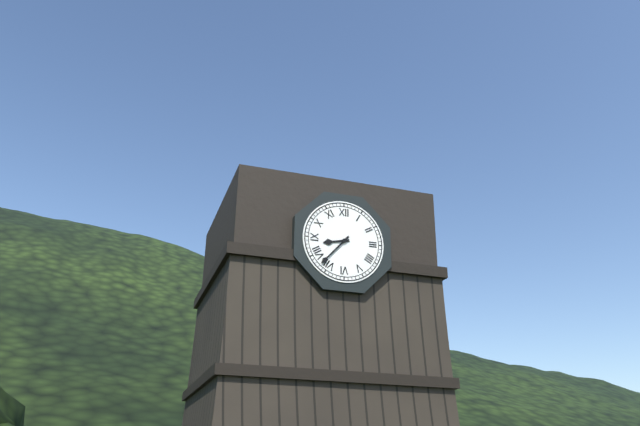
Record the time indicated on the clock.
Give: 8:37
